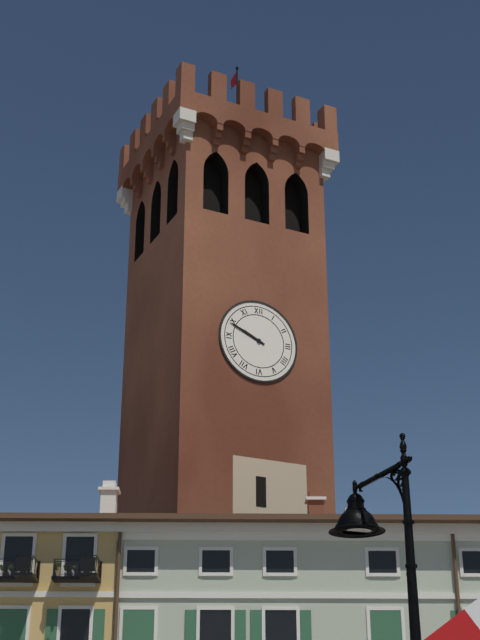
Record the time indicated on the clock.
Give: 9:49
